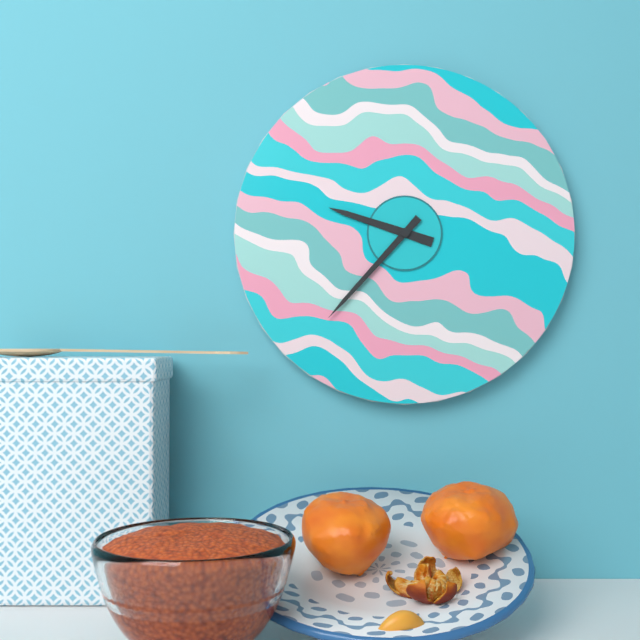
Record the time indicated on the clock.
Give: 9:37
